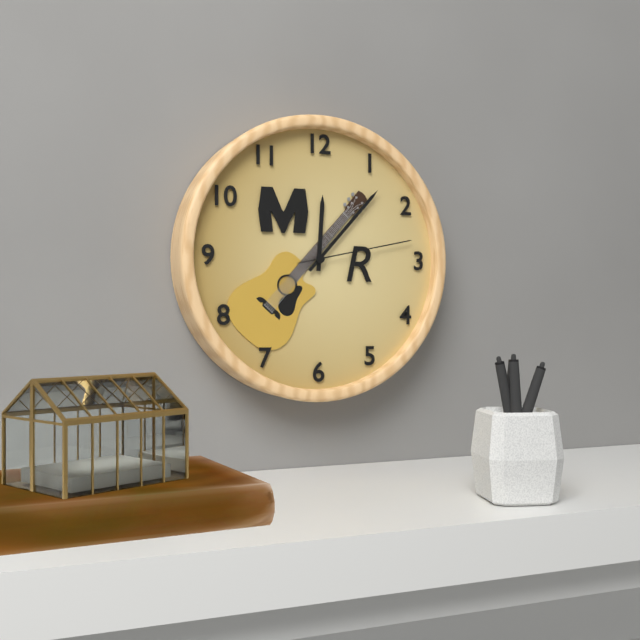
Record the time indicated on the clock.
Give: 12:07:13
